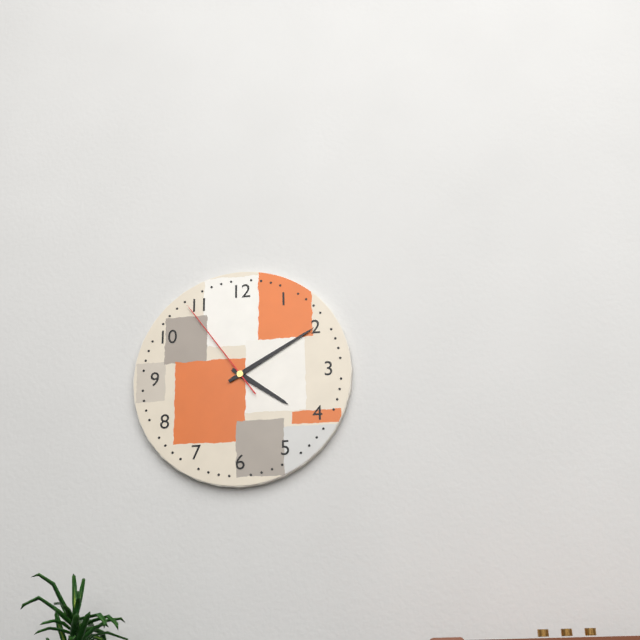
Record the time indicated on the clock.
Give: 4:10:54
